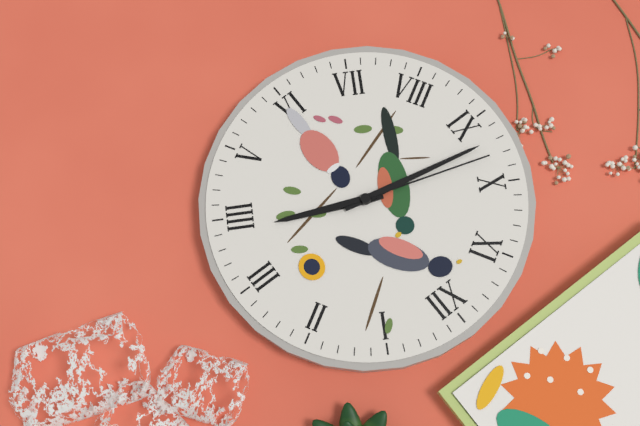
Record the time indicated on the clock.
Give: 3:47:48
